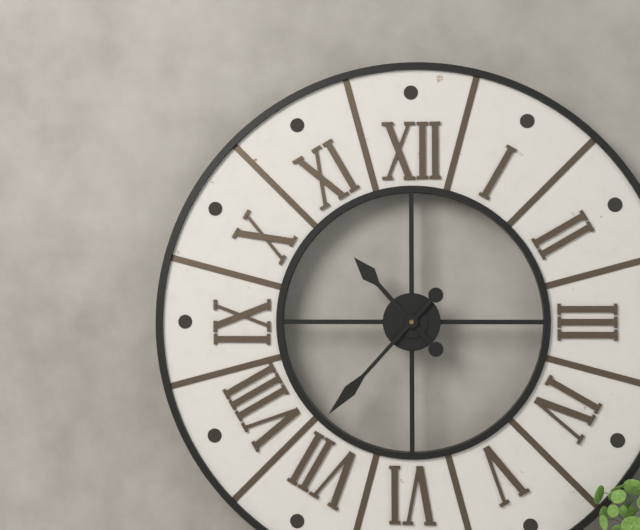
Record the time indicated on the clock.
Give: 10:37
